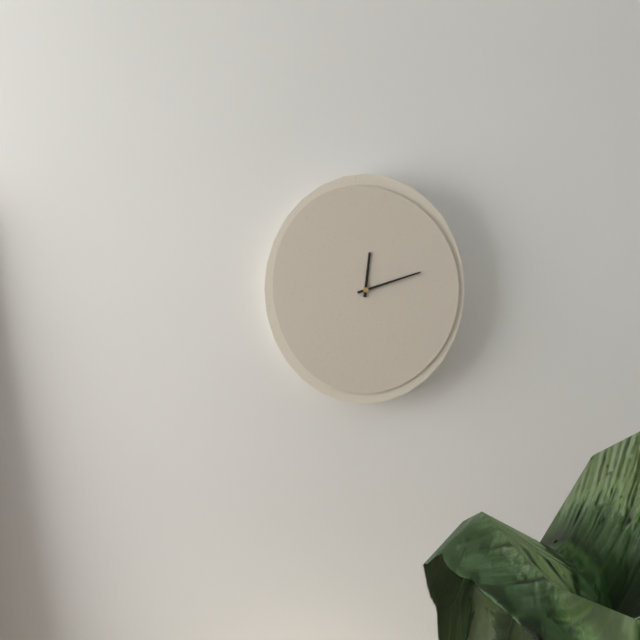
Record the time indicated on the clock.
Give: 12:12
